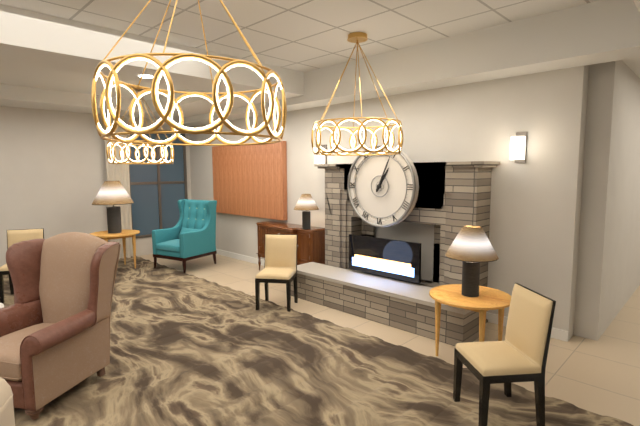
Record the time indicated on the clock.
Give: 1:04
